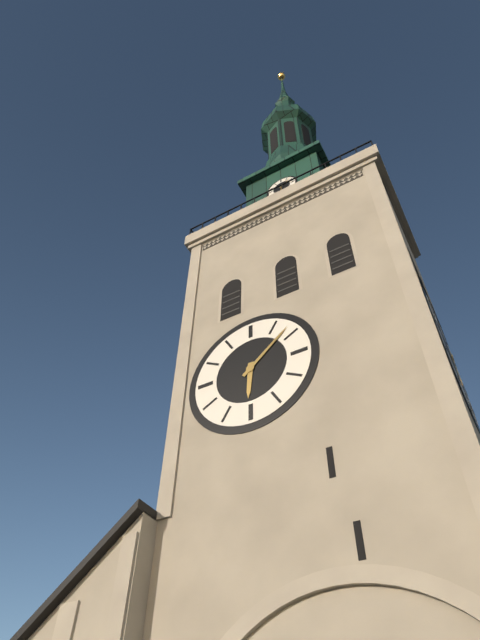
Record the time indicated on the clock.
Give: 6:08
